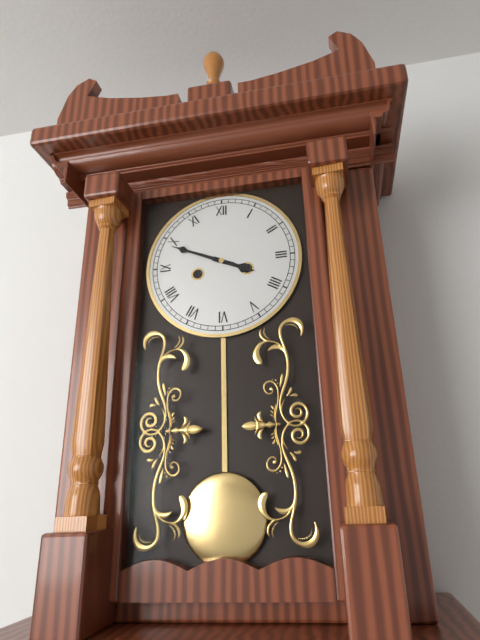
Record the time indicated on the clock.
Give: 3:49
